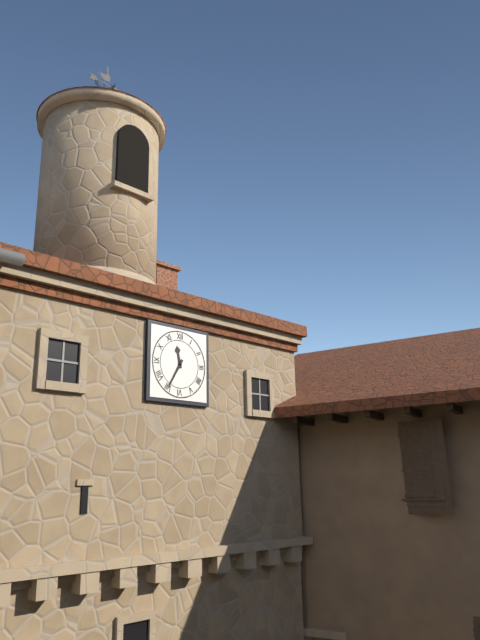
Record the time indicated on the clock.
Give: 11:35
